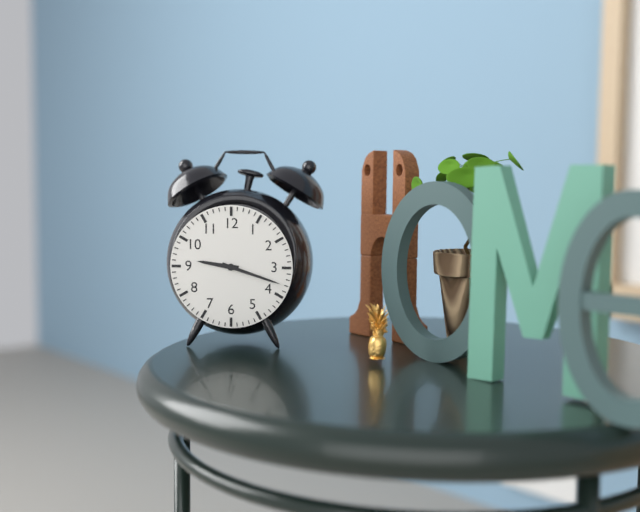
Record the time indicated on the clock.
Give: 9:18
